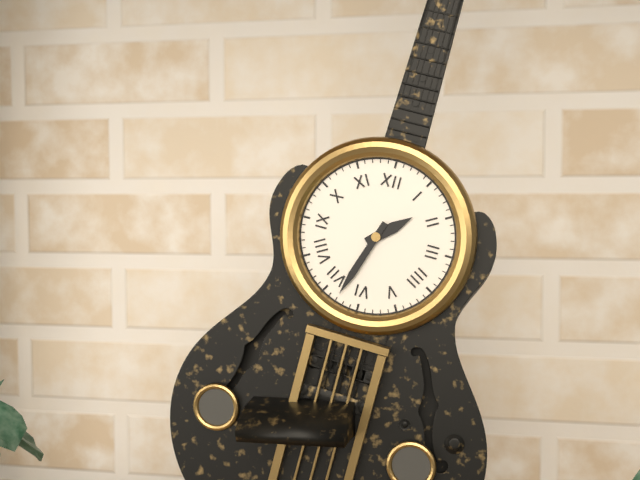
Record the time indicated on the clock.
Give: 1:33
